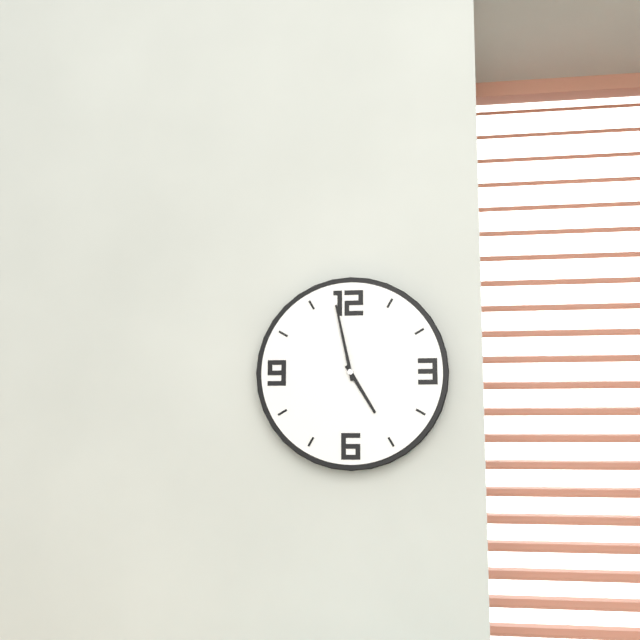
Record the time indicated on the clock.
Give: 4:58
